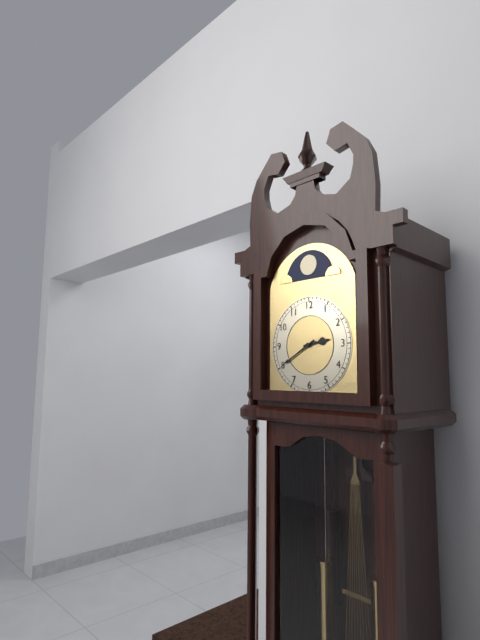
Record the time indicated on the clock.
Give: 2:40
